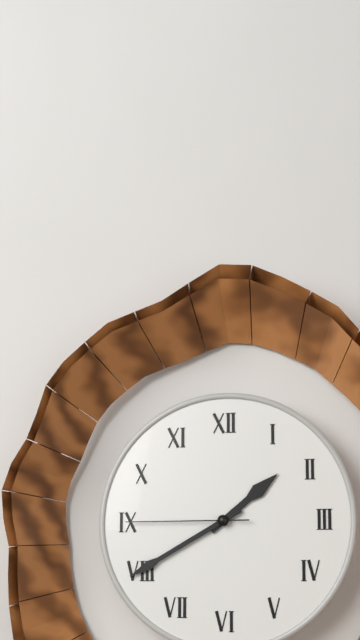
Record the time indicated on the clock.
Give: 1:40:45
